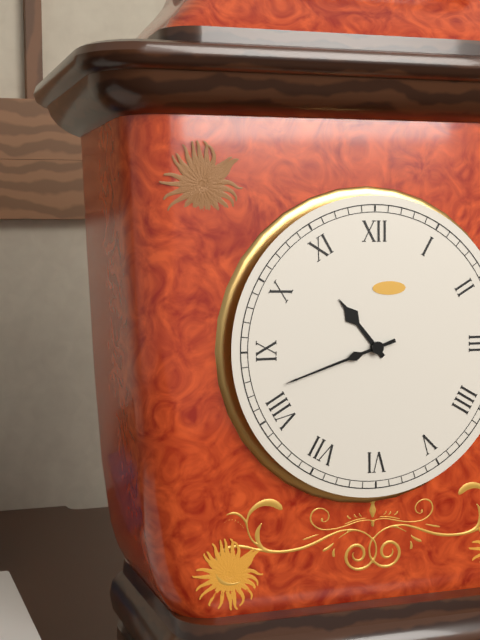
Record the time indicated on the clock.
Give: 10:42
